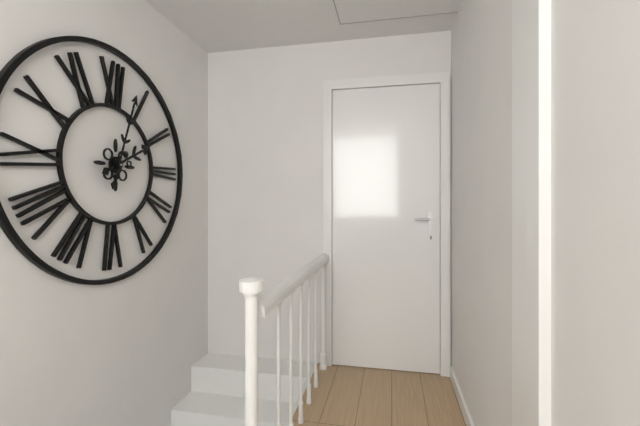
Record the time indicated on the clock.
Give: 2:03
